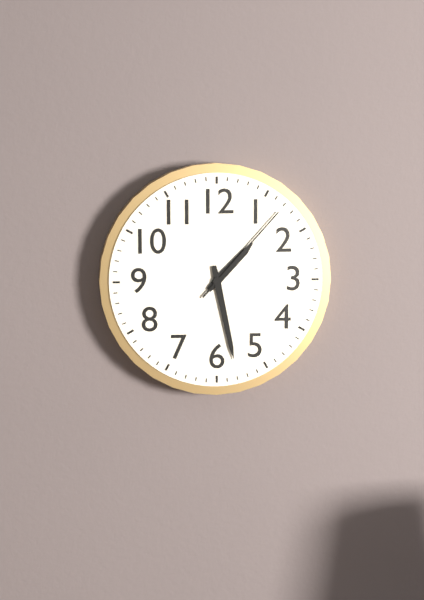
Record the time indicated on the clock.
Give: 1:28:07
